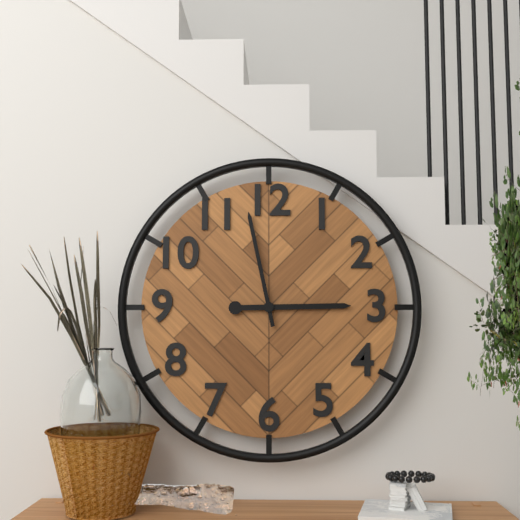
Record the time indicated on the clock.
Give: 2:58
